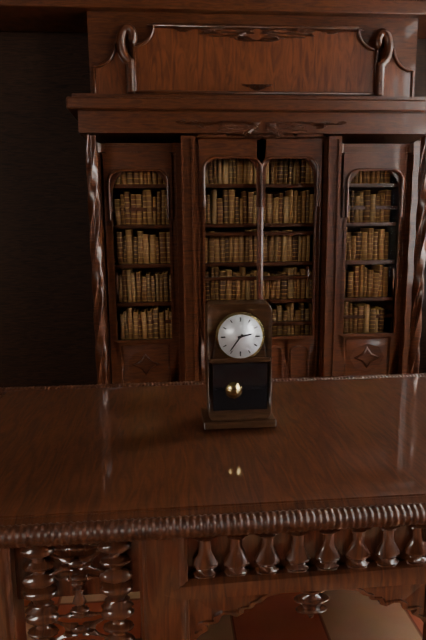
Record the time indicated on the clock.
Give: 2:36
